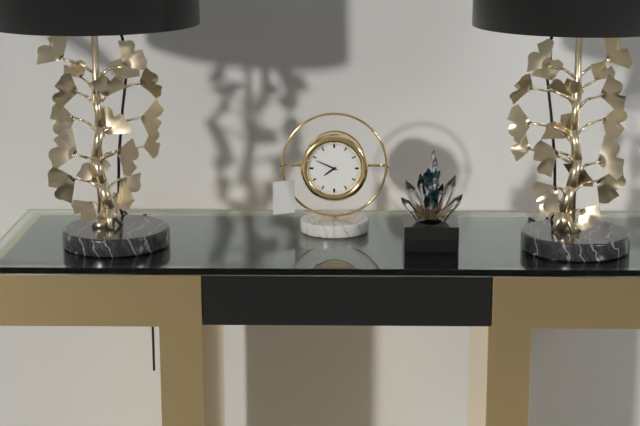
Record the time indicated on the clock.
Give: 7:49
